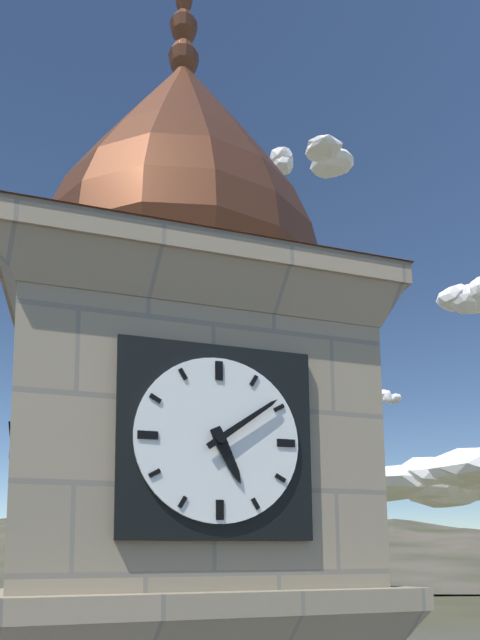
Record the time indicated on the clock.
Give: 5:09
